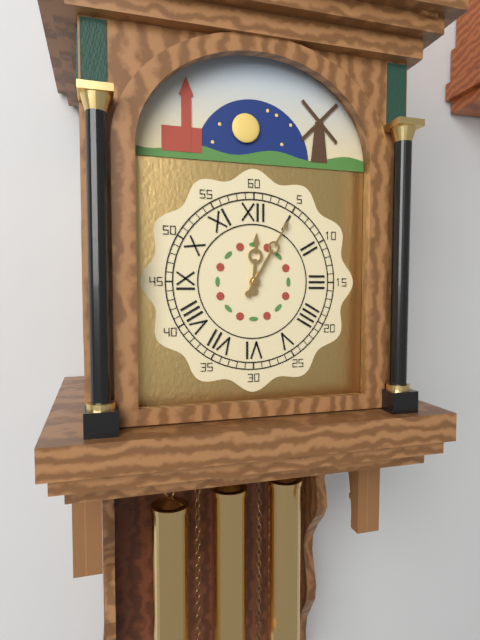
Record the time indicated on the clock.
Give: 12:05
